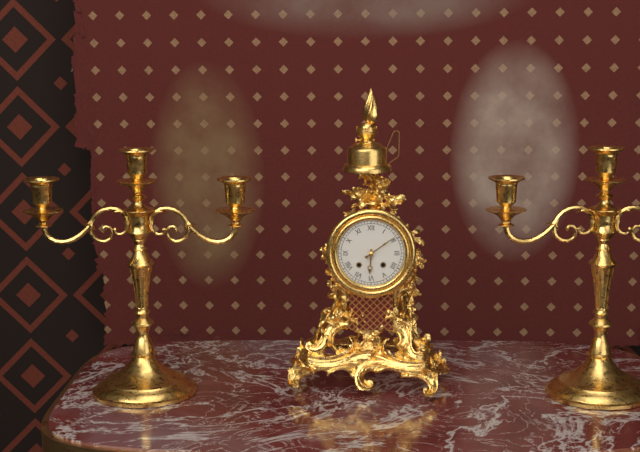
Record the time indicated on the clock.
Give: 6:09
